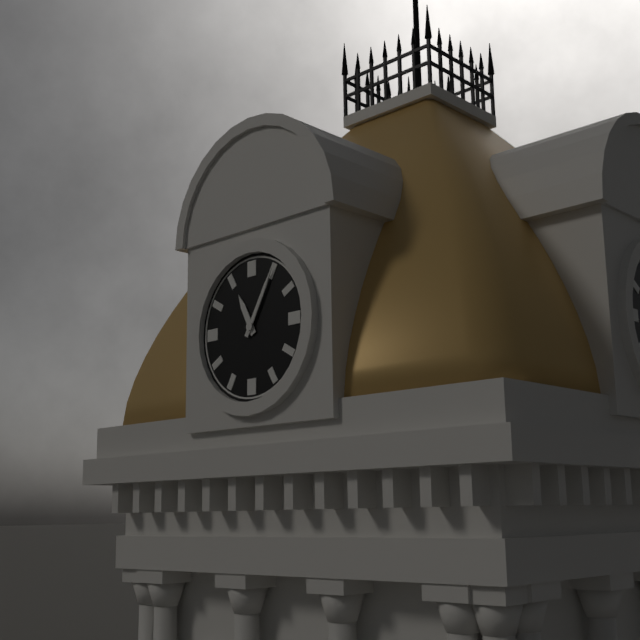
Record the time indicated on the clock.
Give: 11:05
